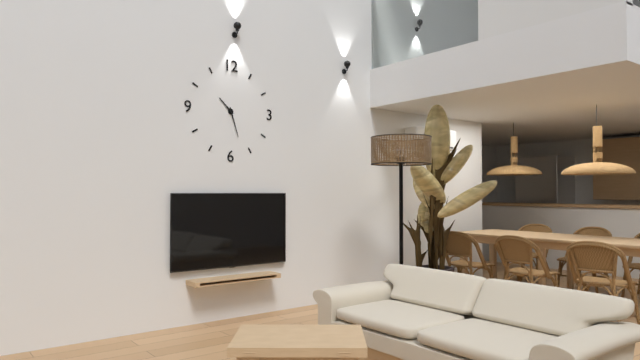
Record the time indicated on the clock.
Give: 10:27
